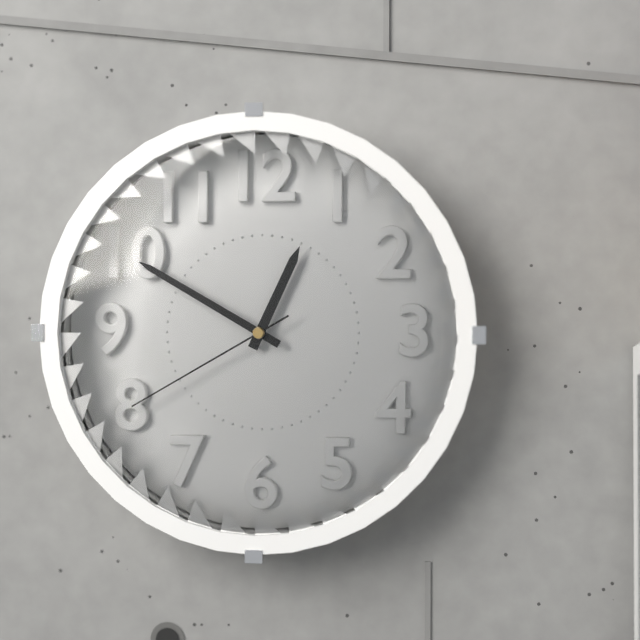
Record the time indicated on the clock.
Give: 12:50:40
